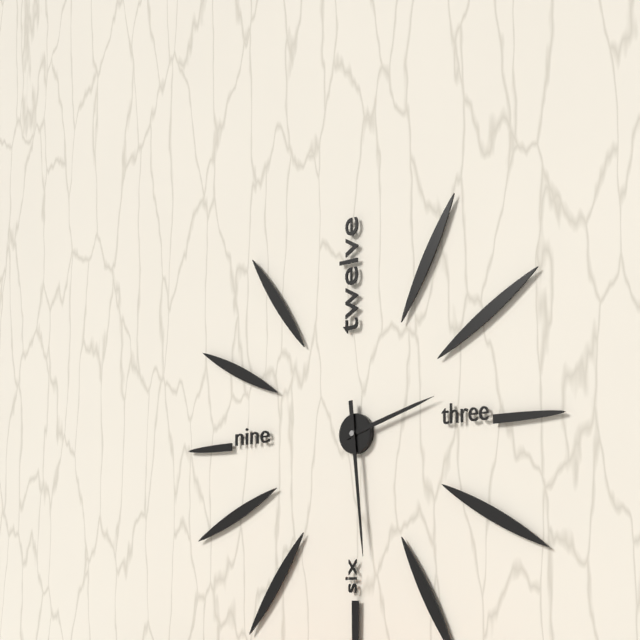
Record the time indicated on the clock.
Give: 2:29
